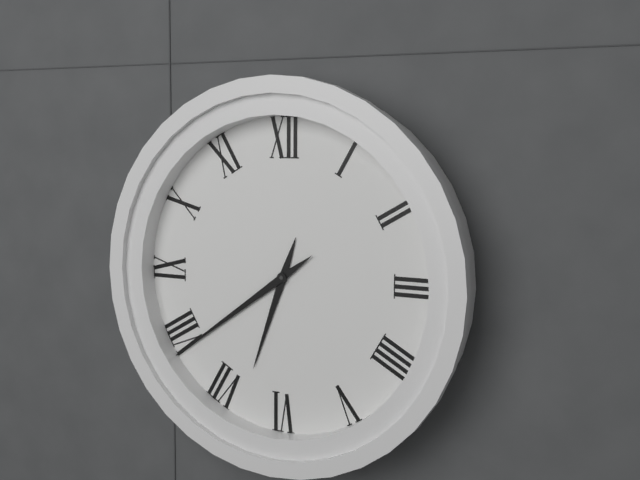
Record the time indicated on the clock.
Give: 6:39
